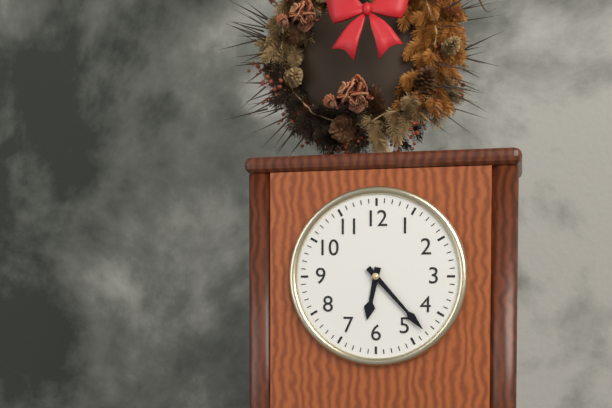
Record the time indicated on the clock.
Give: 6:23
